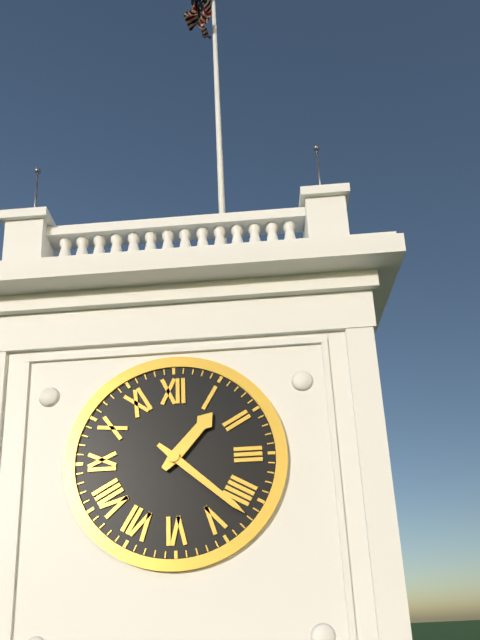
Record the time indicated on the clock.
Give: 1:22
